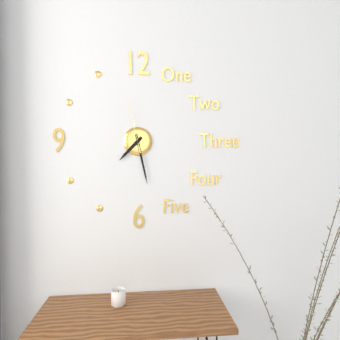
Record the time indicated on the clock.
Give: 7:28:58
